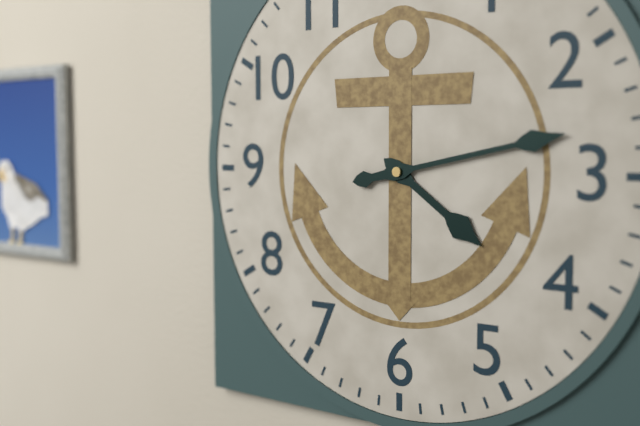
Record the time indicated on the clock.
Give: 4:13
